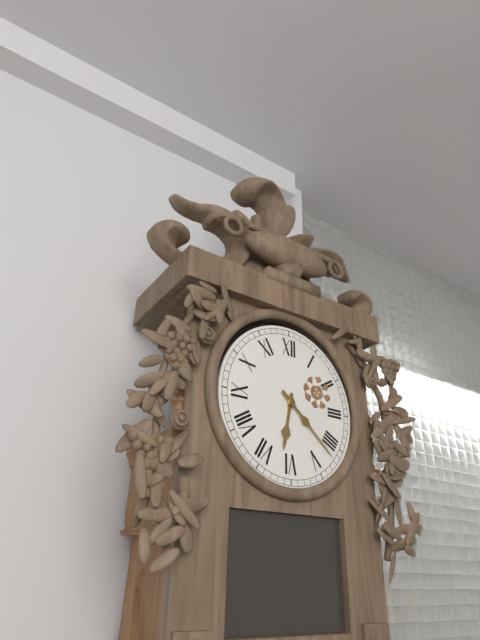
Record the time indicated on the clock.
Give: 6:22
